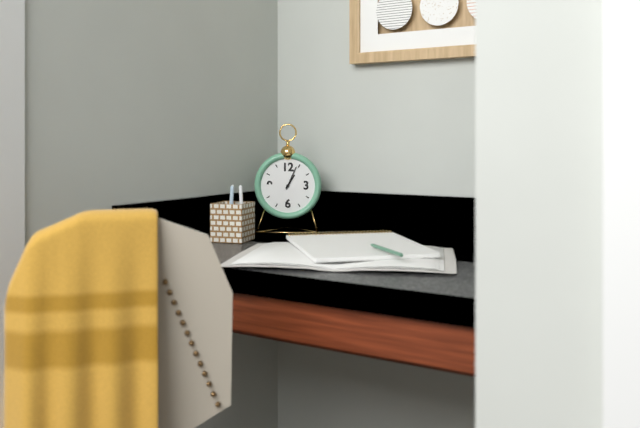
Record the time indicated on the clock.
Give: 1:04
